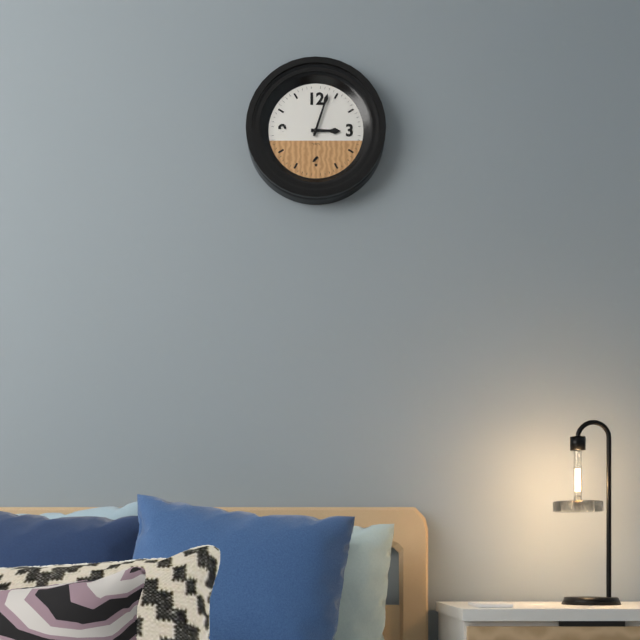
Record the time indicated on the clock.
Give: 3:03
